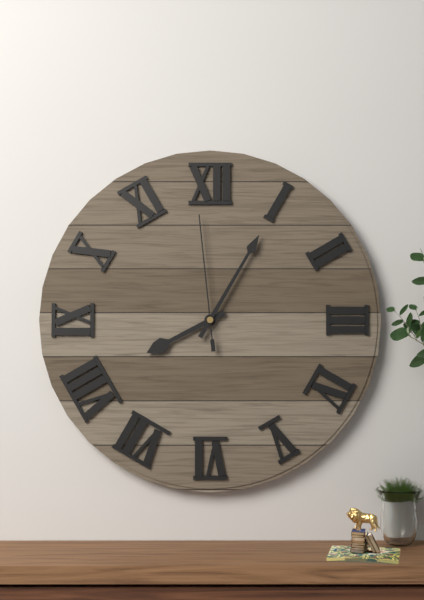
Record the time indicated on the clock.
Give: 8:05:59
